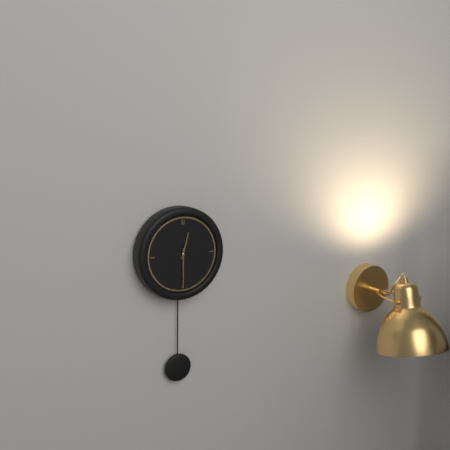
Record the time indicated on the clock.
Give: 12:30
